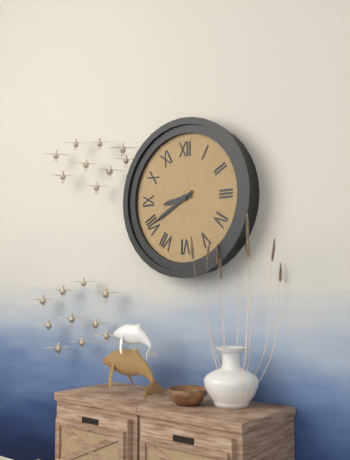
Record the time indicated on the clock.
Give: 8:40
